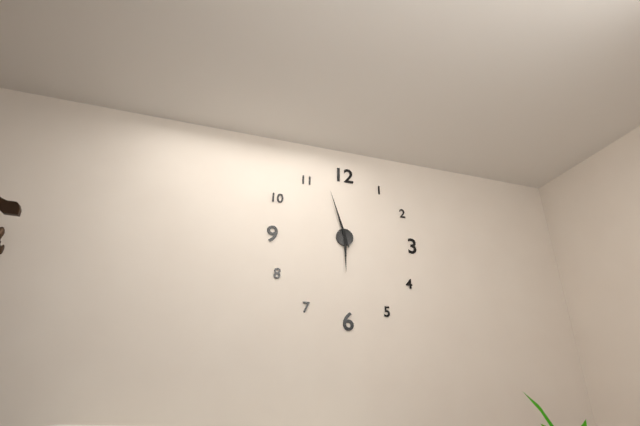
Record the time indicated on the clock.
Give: 5:57
